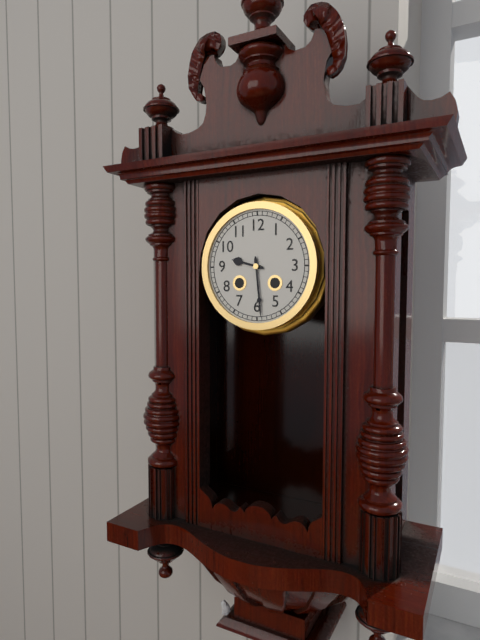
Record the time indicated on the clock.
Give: 9:29
